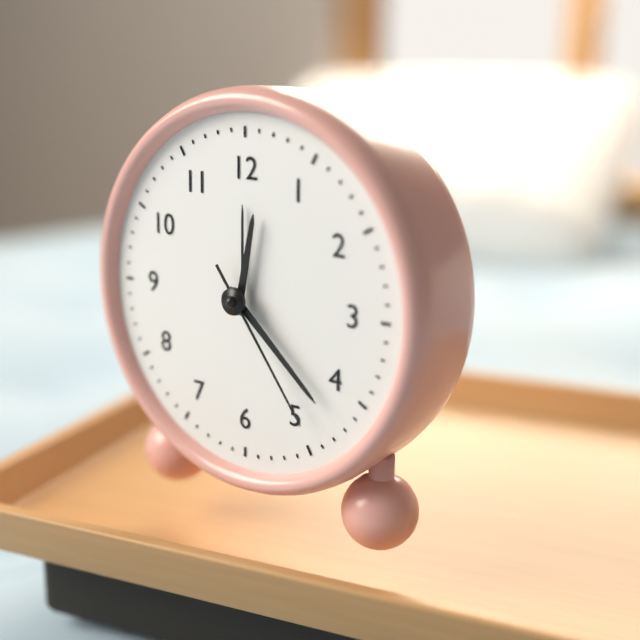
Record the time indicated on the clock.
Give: 12:22:24
